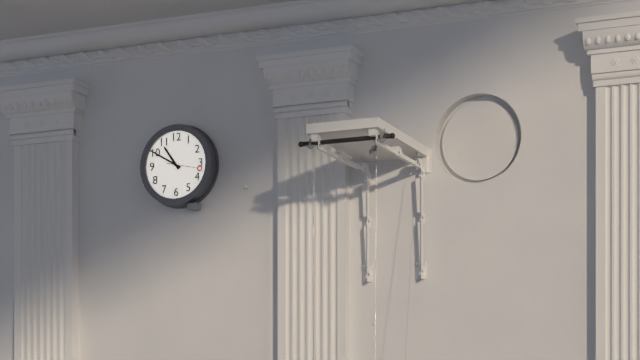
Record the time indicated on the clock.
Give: 10:50
